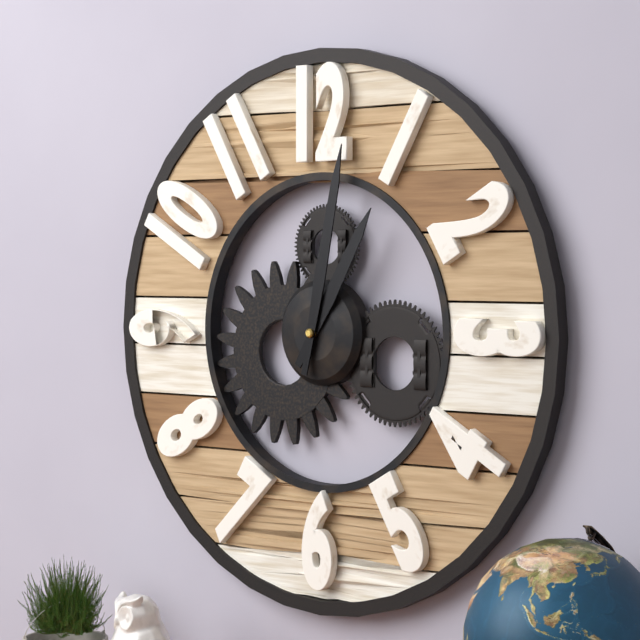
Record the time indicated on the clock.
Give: 1:02
